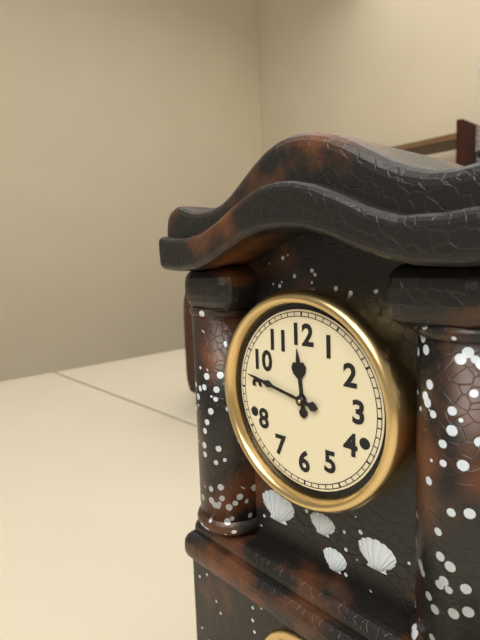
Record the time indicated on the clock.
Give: 11:47
